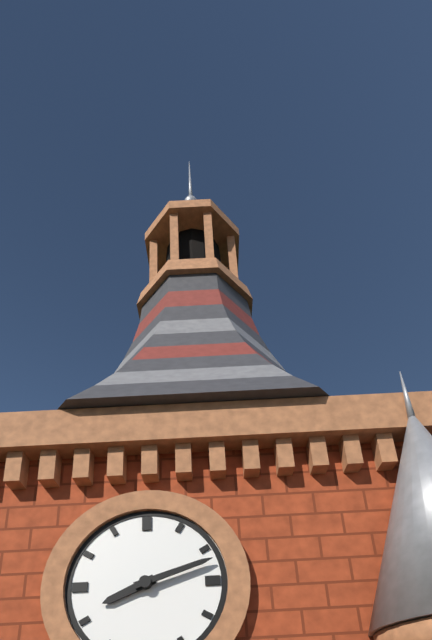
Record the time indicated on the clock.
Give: 8:12
